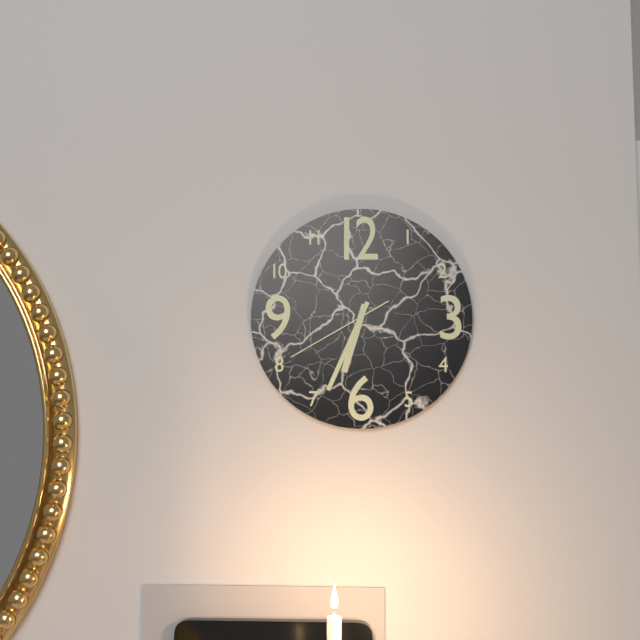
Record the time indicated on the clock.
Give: 6:34:40
